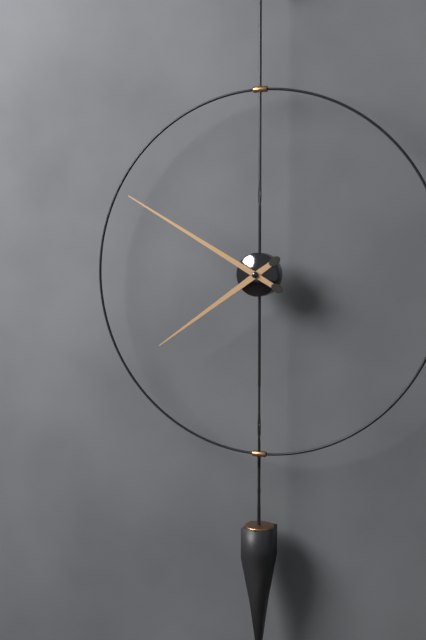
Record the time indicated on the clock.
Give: 7:50
